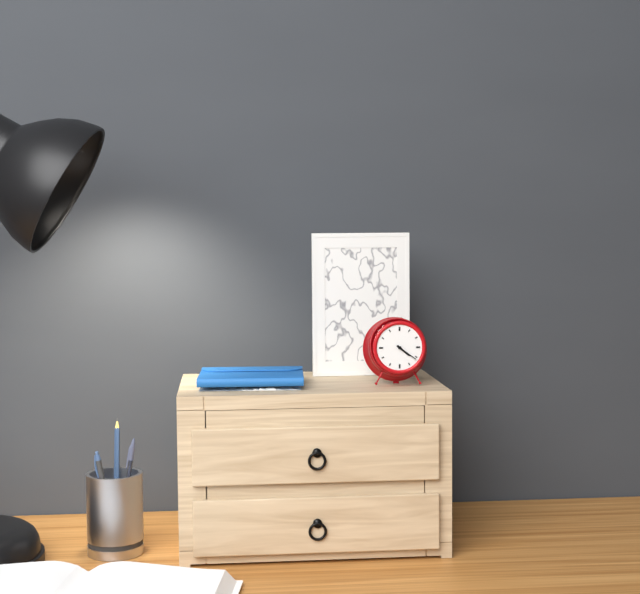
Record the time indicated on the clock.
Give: 4:21
